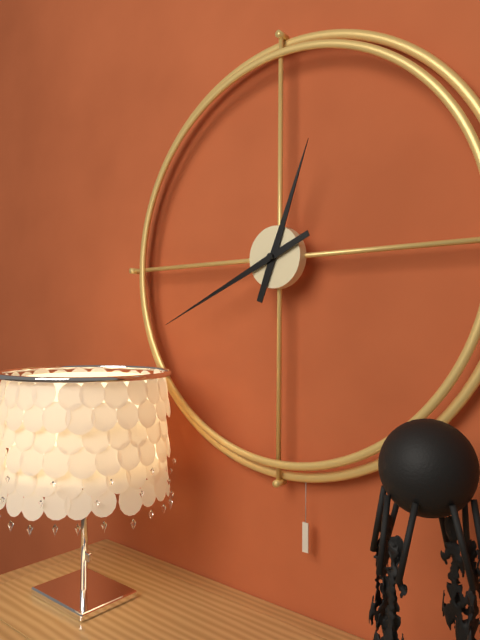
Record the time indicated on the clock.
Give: 12:41
